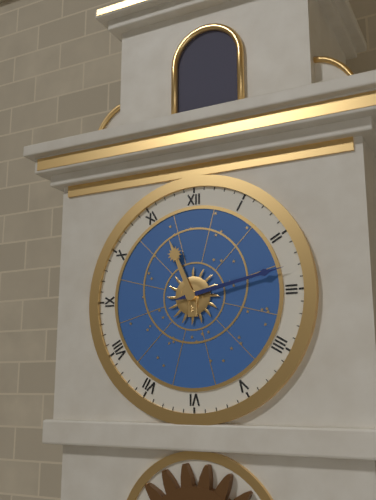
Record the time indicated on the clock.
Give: 11:13
